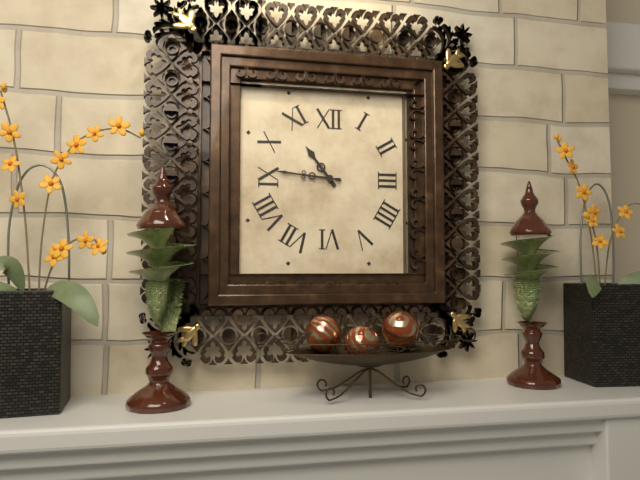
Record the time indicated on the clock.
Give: 10:46
